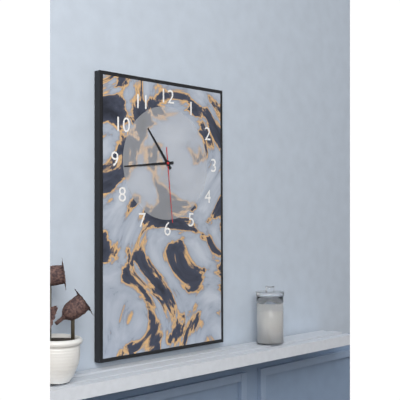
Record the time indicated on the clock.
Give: 10:44:29
